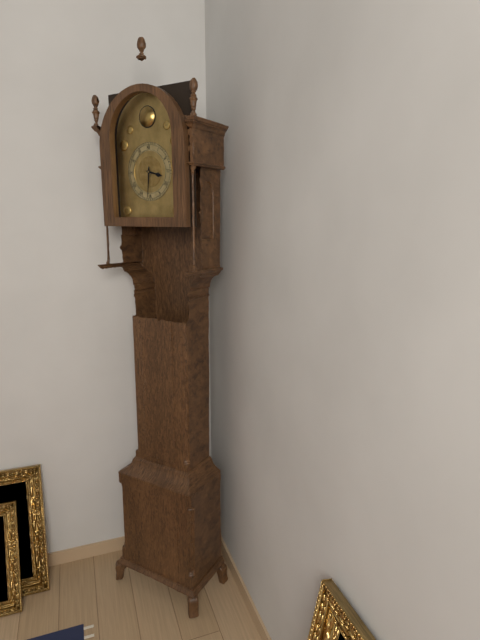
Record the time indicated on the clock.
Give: 3:31
